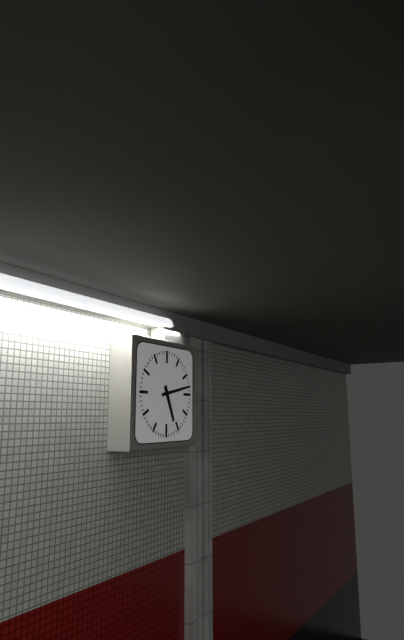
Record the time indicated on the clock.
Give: 5:13
